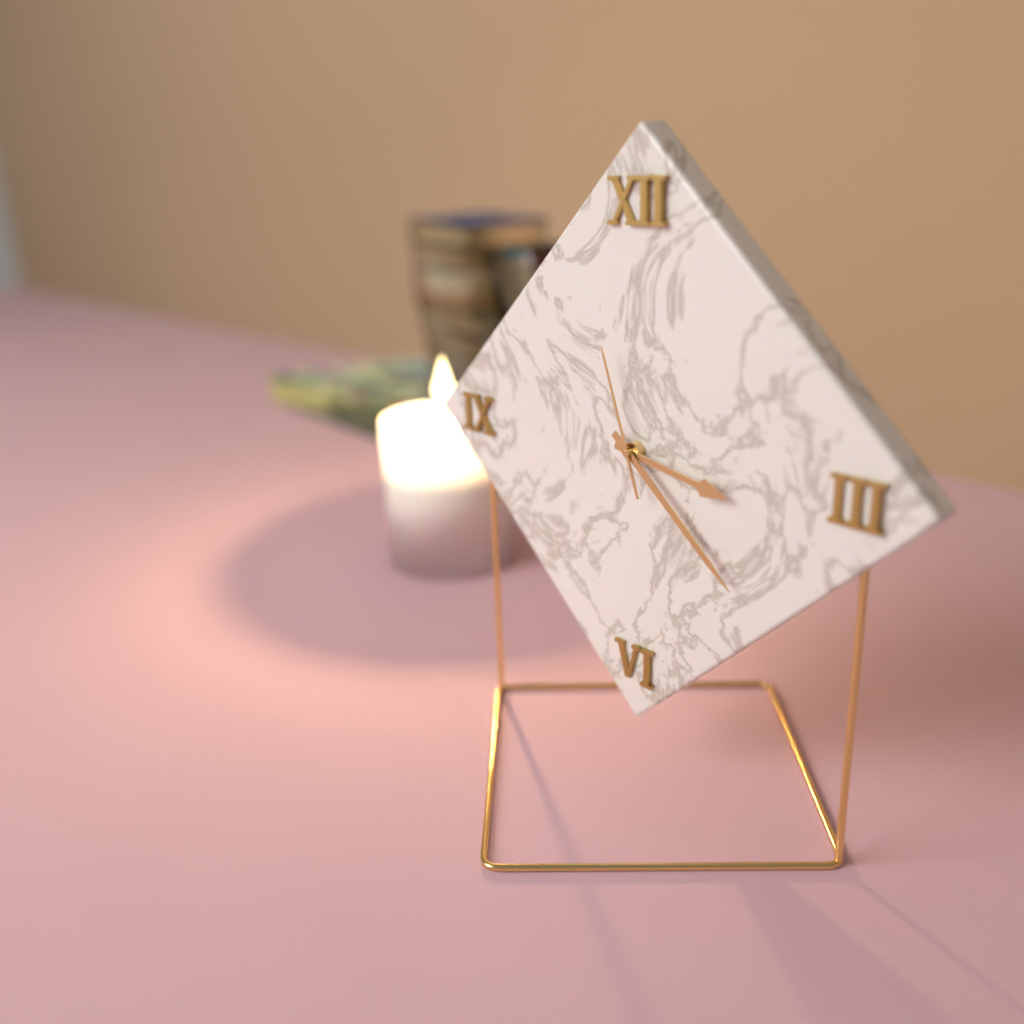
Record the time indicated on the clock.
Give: 3:22:57
